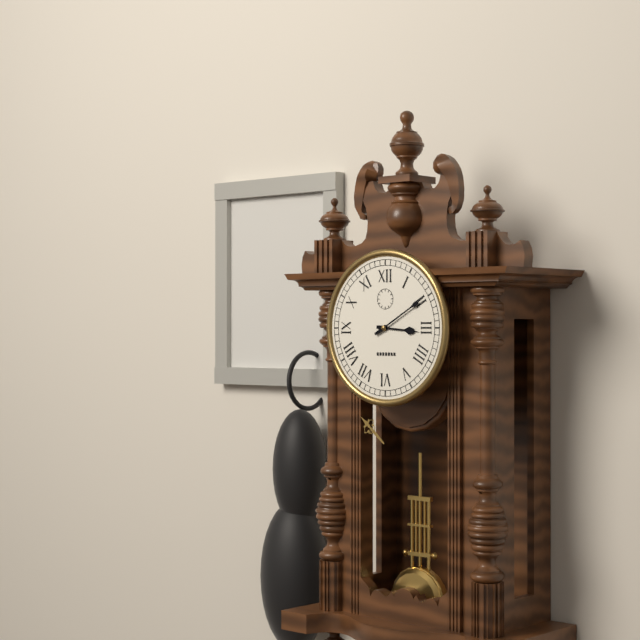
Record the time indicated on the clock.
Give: 3:10
